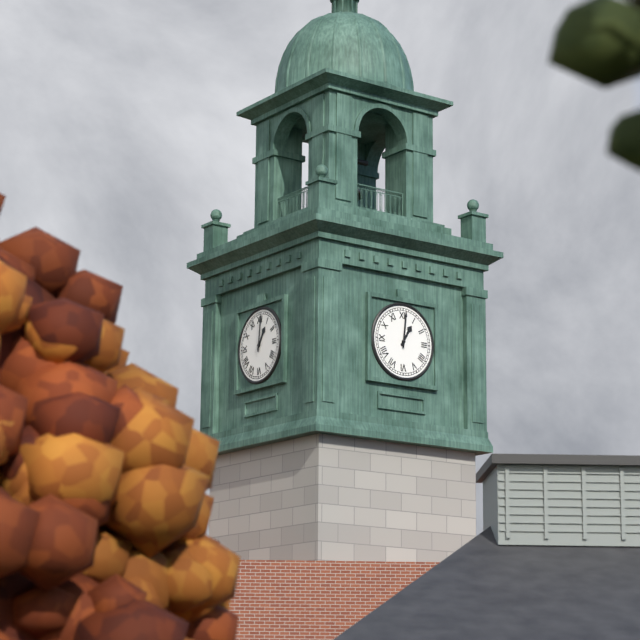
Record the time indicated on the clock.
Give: 1:01
